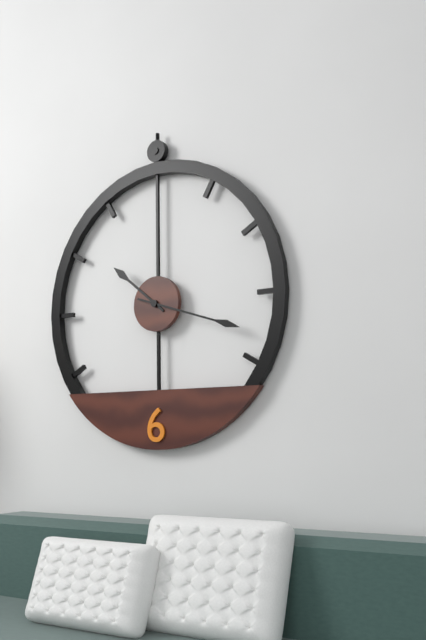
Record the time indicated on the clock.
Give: 10:18
